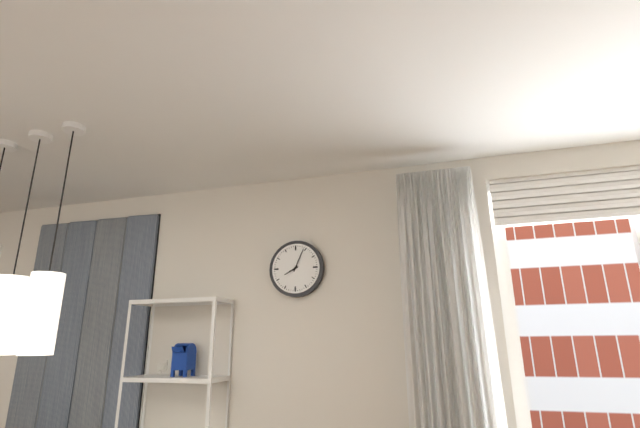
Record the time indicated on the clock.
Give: 8:04
